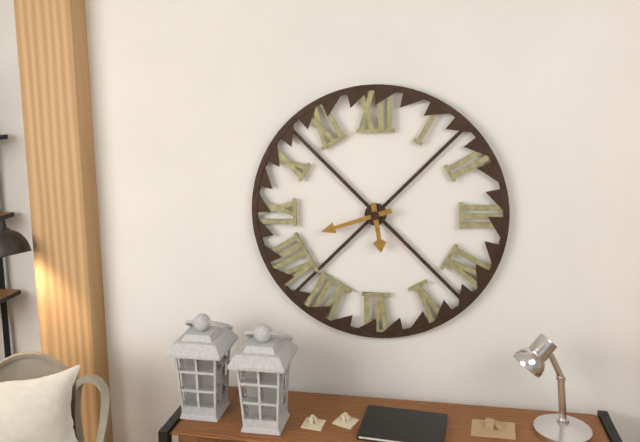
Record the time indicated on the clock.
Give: 5:42
